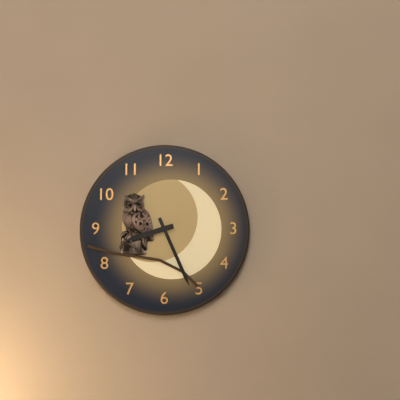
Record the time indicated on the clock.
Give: 8:26
